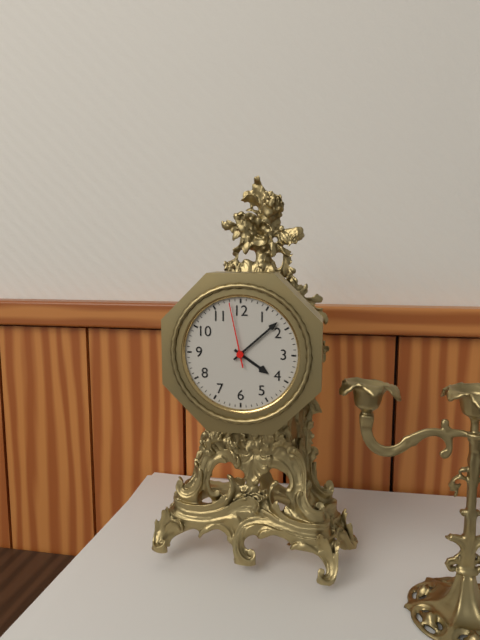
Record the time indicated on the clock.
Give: 4:08:58
